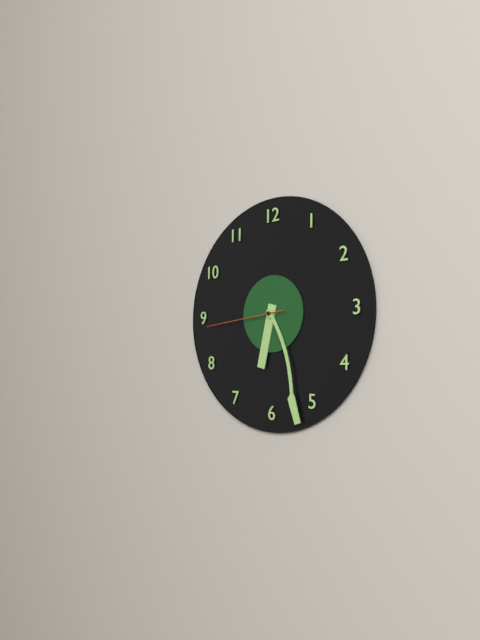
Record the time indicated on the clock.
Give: 6:27:44
